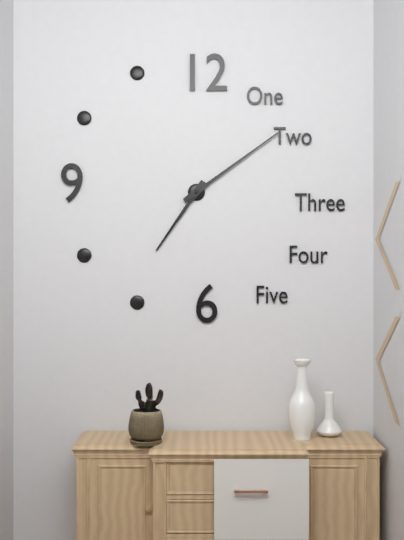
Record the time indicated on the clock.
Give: 7:09
